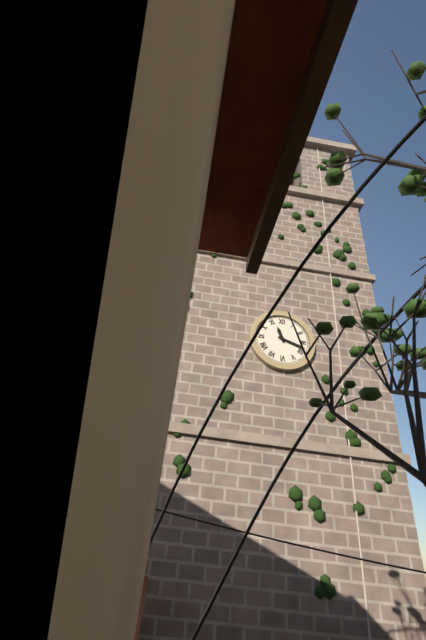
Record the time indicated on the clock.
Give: 11:18
